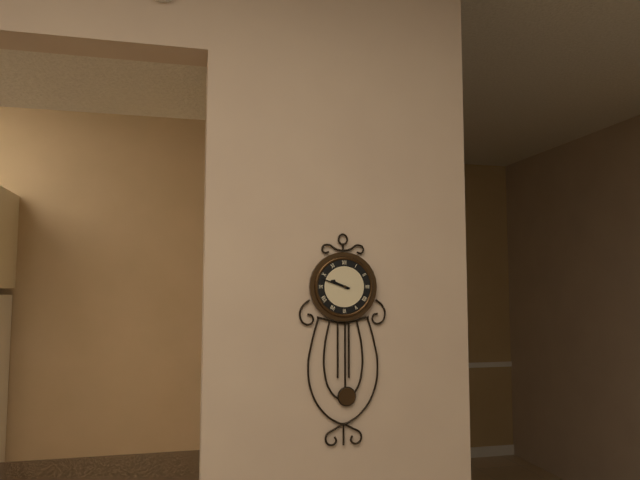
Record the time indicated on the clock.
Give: 9:48
